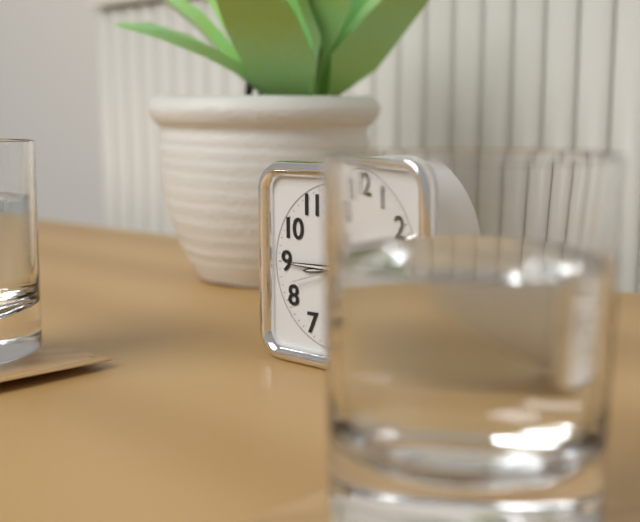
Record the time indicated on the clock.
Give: 8:45:42
